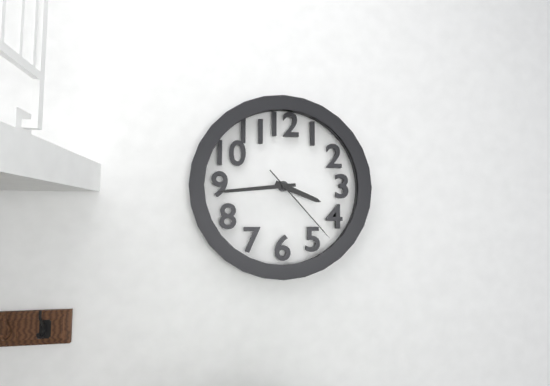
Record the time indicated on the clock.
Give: 3:44:23
